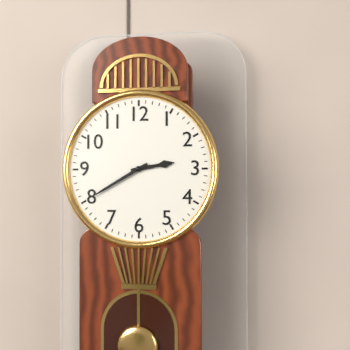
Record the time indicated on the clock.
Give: 2:40
